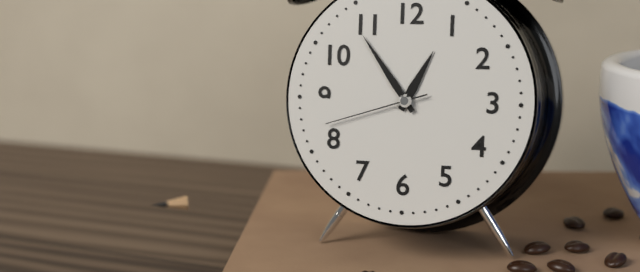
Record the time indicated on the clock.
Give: 12:54:42
